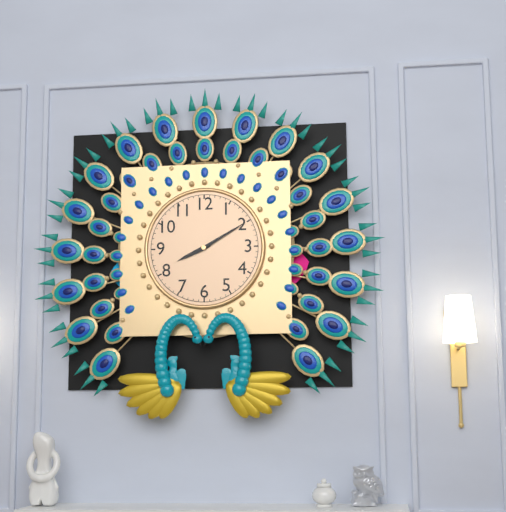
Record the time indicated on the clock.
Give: 8:10
